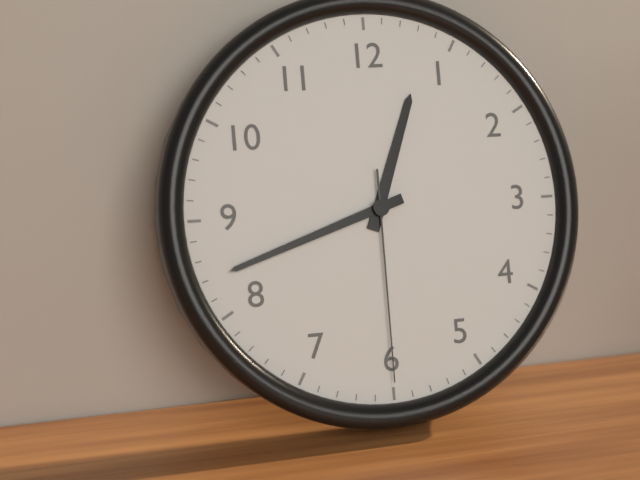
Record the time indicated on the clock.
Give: 12:42:30
